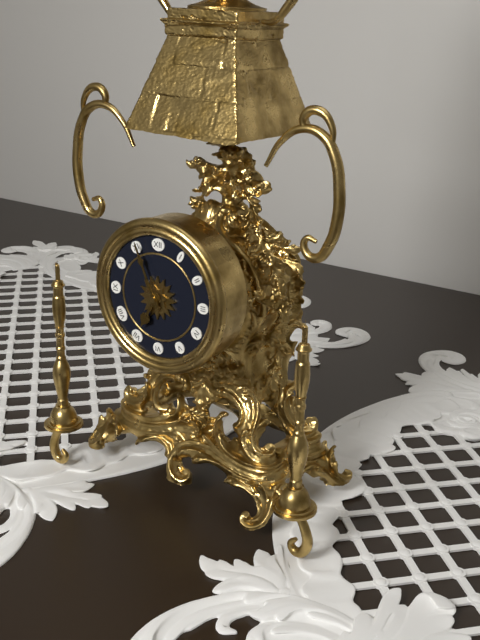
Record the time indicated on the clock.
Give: 6:56
